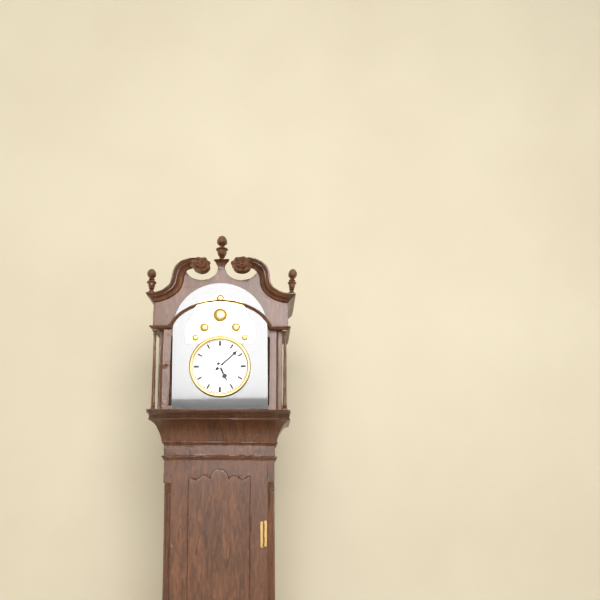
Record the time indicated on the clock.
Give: 5:08
